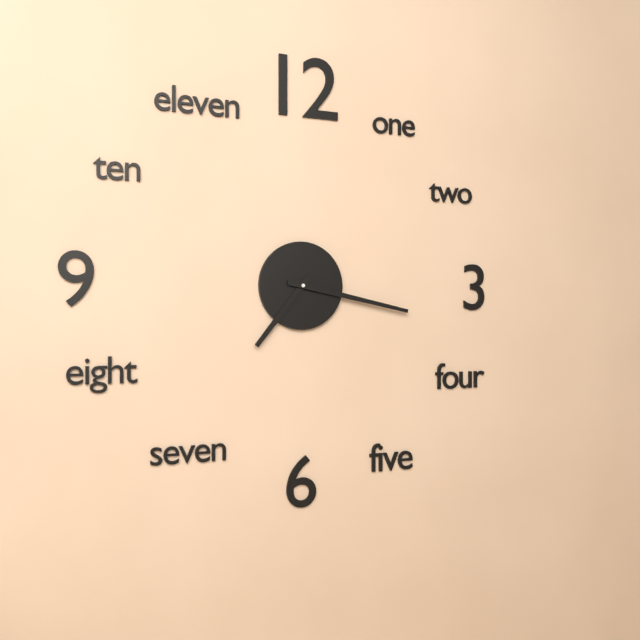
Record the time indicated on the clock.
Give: 7:17
